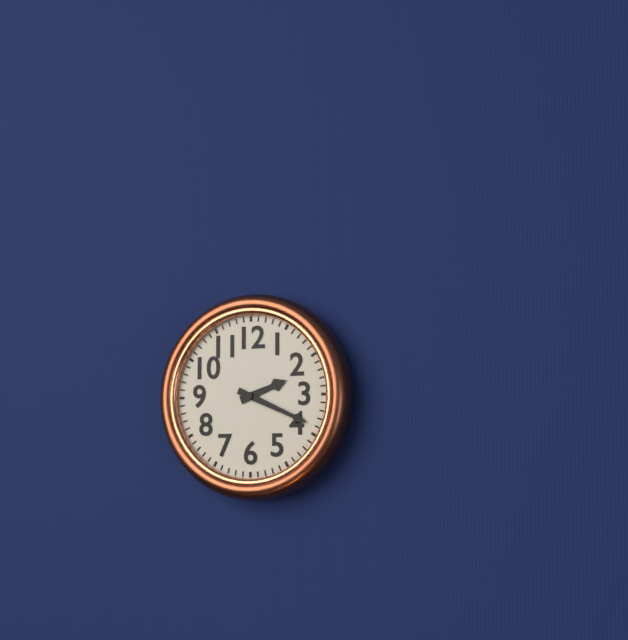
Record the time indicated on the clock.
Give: 2:19
